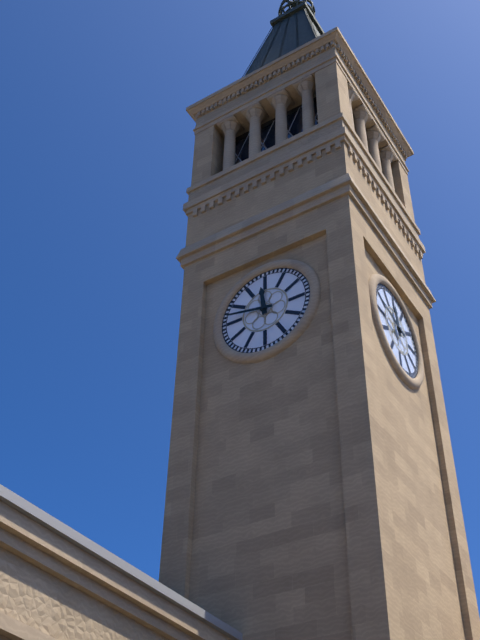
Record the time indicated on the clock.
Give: 11:47
